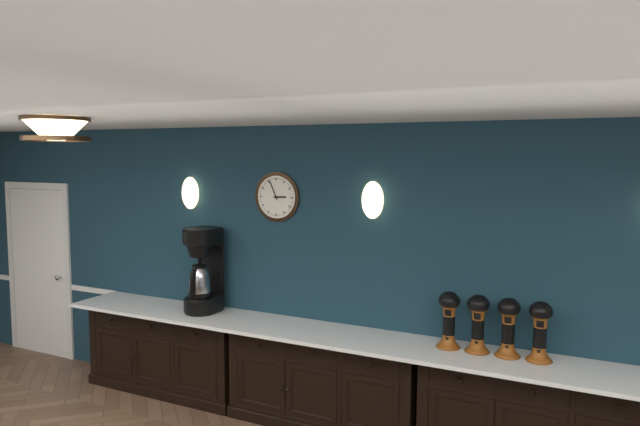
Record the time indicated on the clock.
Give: 2:56
